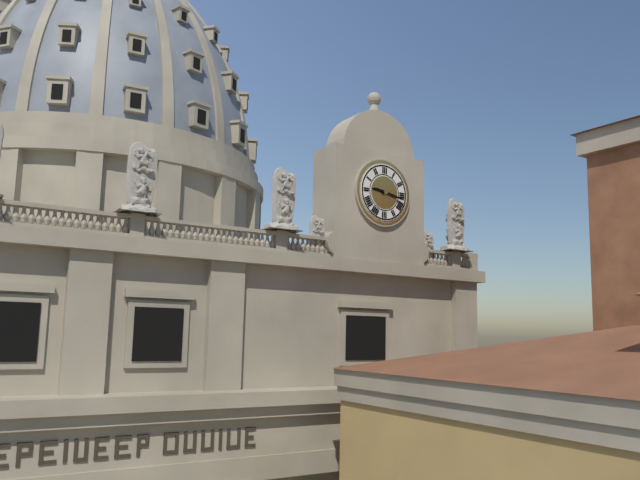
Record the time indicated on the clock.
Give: 9:17
